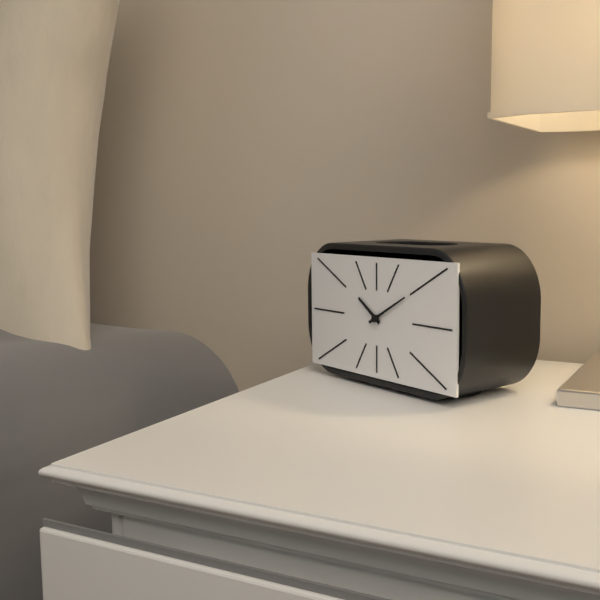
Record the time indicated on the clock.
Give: 10:10
